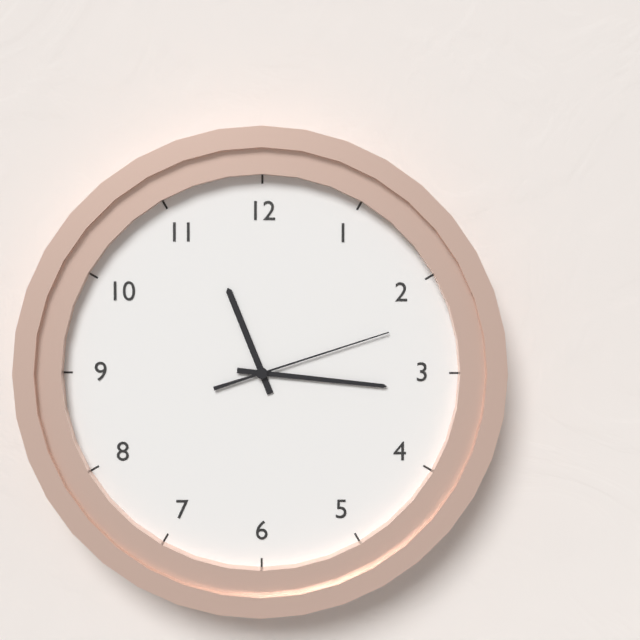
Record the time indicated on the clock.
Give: 11:16:12
